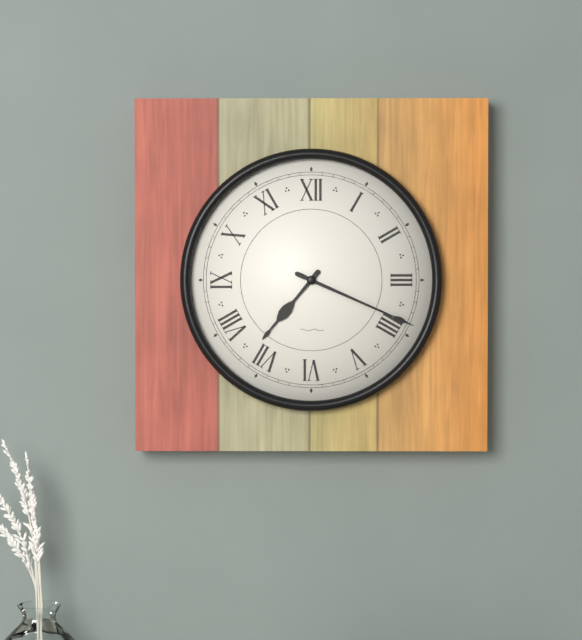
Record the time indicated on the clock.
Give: 7:19
